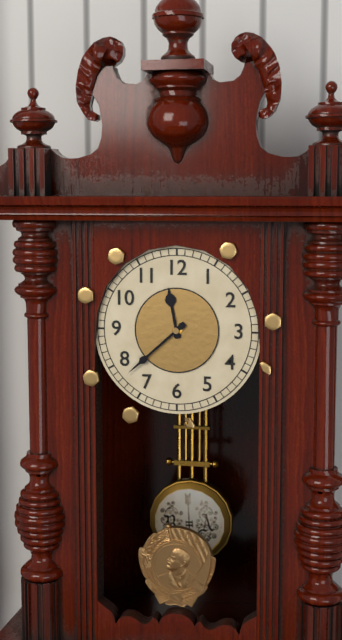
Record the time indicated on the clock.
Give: 11:38
